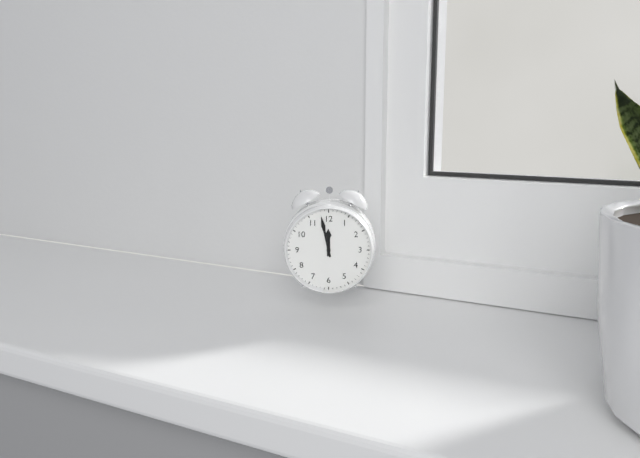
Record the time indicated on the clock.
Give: 11:58
